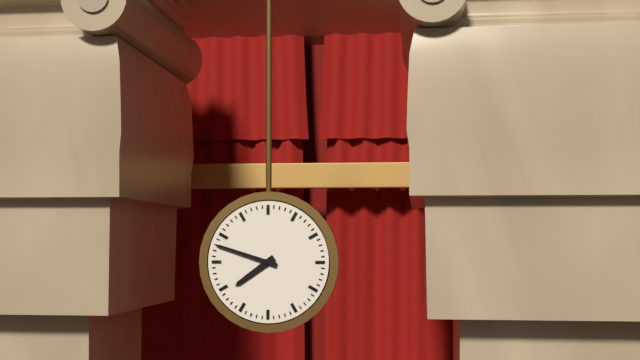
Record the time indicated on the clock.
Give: 7:48
